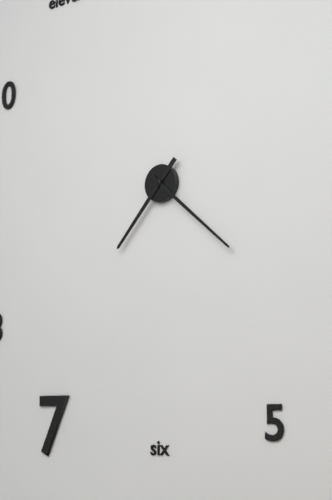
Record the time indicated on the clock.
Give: 7:22
